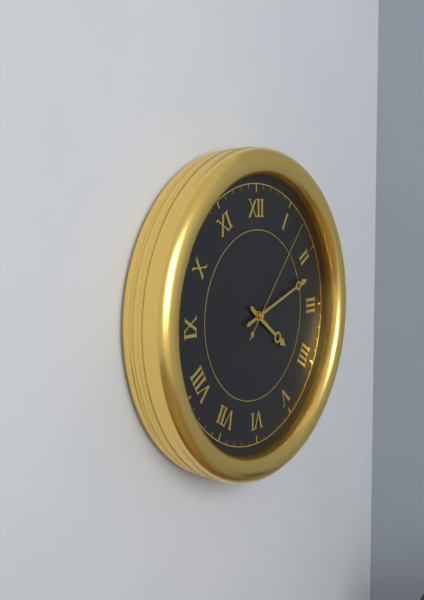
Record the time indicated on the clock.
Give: 4:12:07
